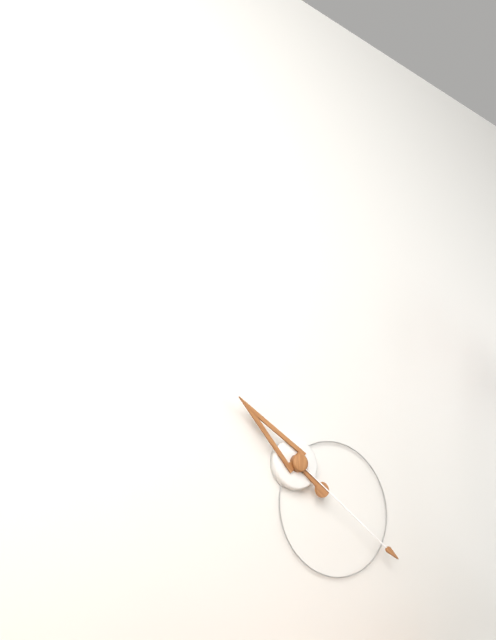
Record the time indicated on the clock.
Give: 10:21
